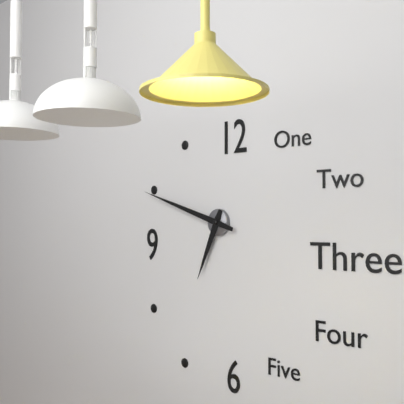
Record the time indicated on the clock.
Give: 6:48
